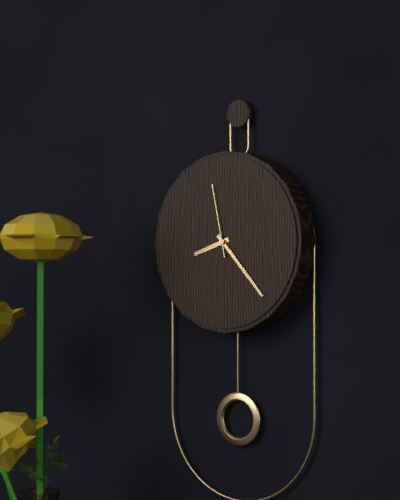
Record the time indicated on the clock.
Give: 8:23:58
